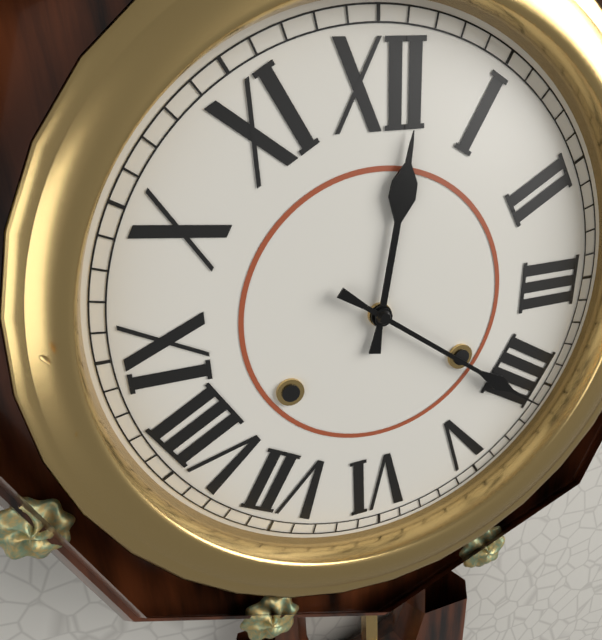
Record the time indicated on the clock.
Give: 12:21
